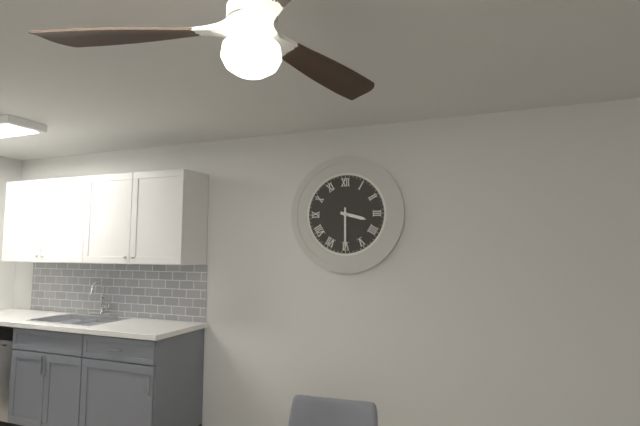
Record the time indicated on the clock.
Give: 3:30
